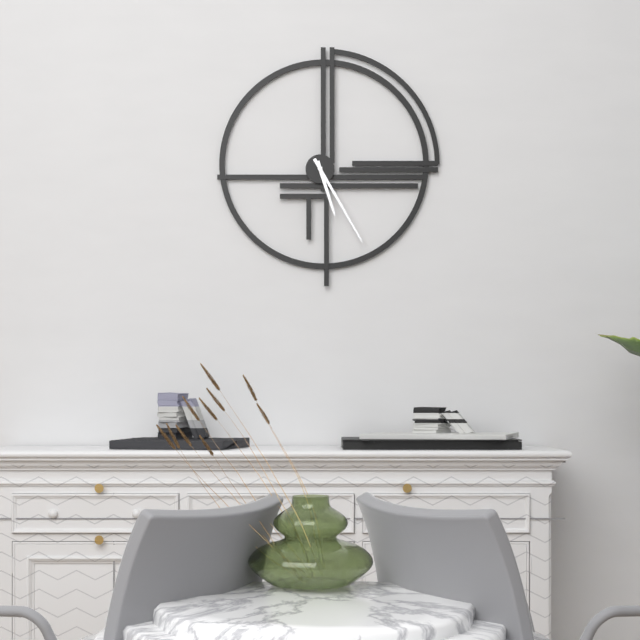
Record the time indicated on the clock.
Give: 5:25
